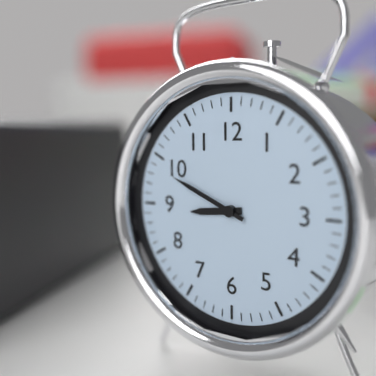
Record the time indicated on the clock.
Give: 8:49
